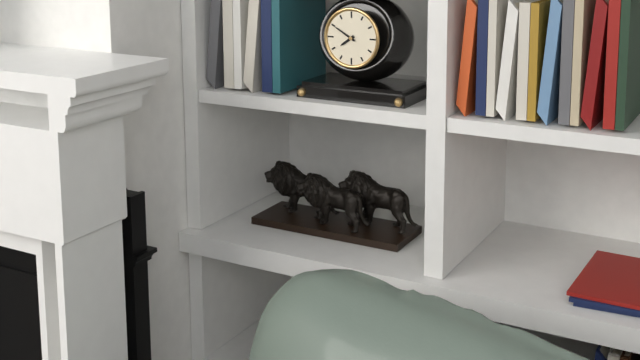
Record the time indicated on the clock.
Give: 7:50
